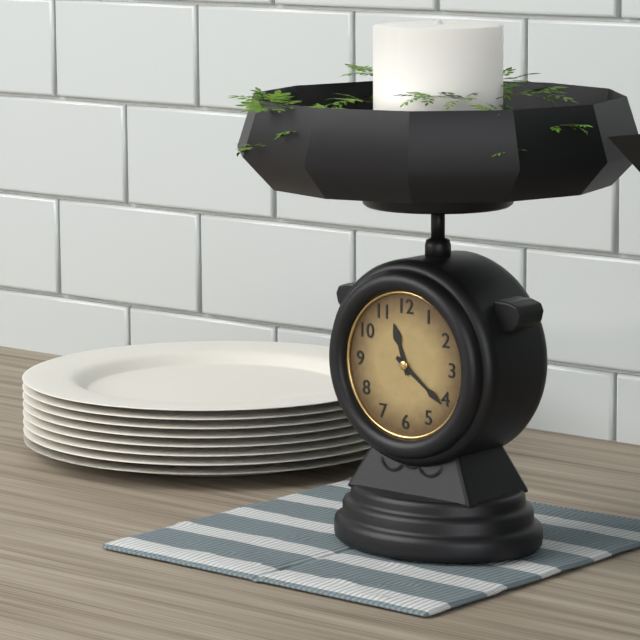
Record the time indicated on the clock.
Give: 11:21
